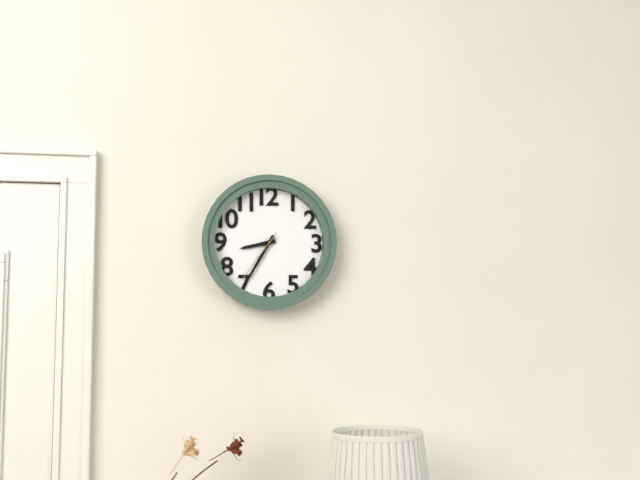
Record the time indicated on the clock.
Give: 8:35:36
